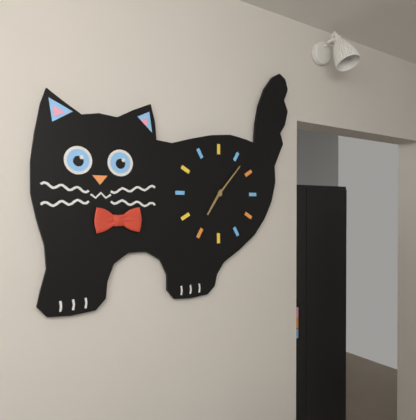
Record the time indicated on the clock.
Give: 7:07
